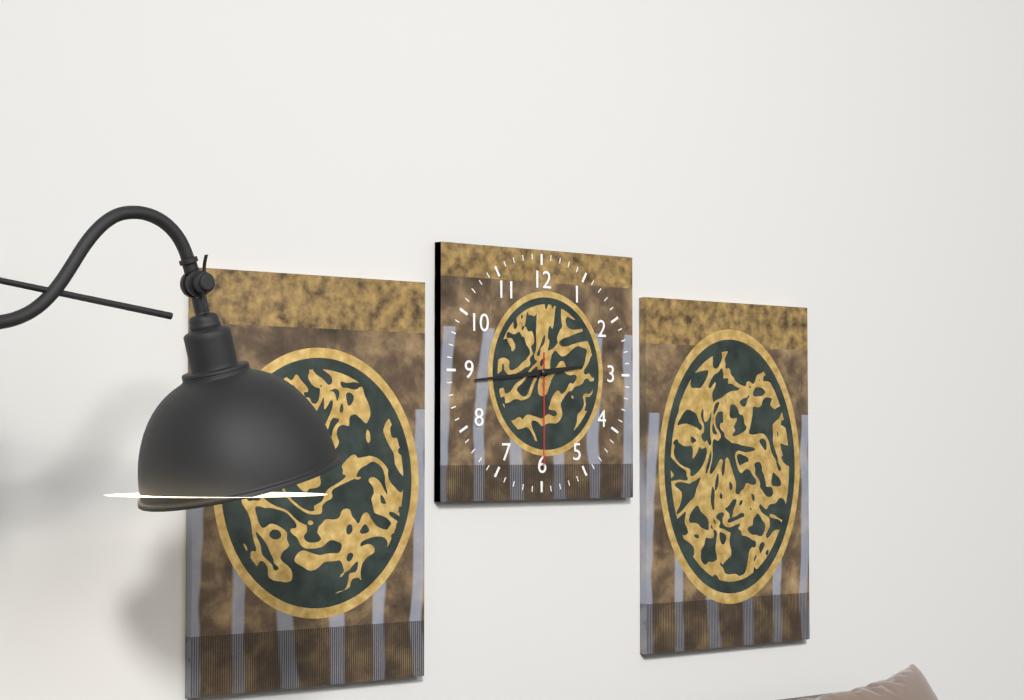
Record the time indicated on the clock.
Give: 2:44:30
